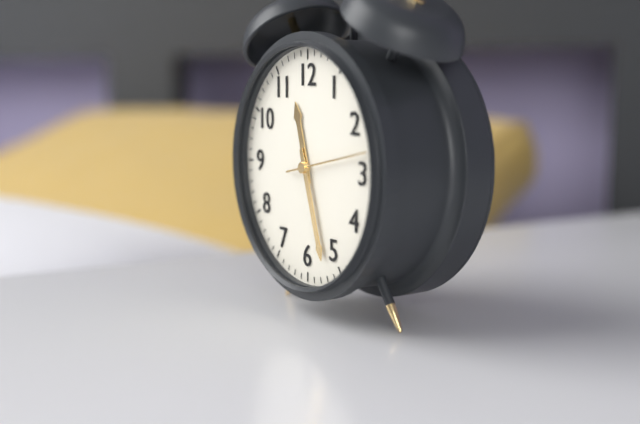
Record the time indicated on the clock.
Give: 11:27:13
